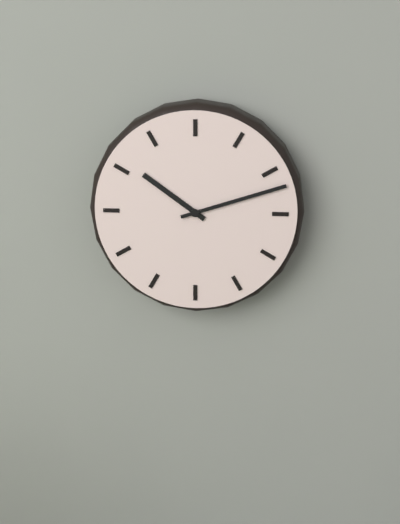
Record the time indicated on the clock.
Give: 10:12
